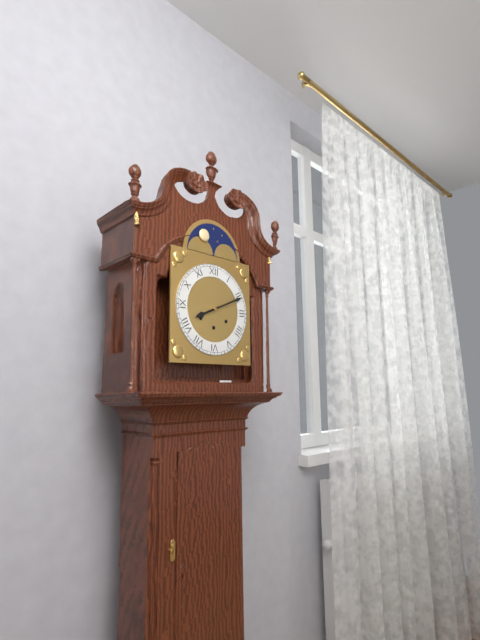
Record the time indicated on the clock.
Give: 8:11
